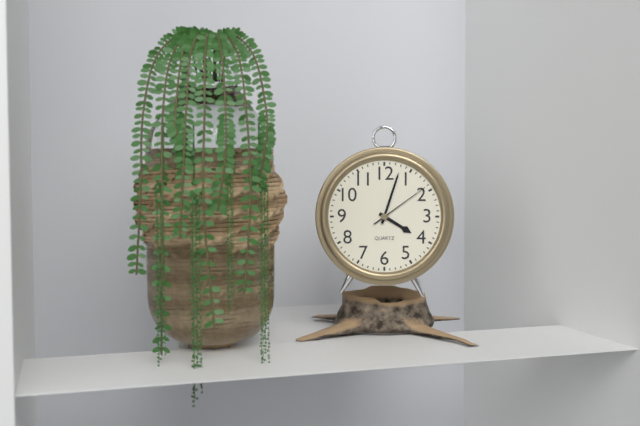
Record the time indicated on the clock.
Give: 4:03:09
